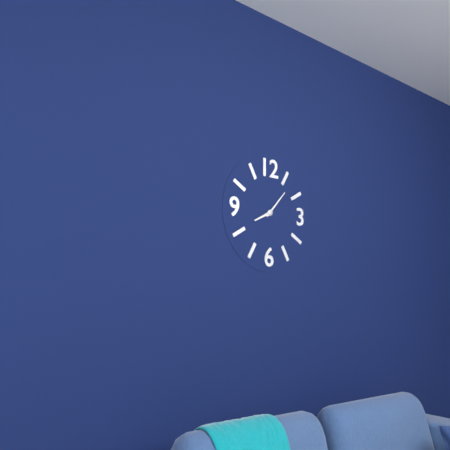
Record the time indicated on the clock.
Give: 8:07
